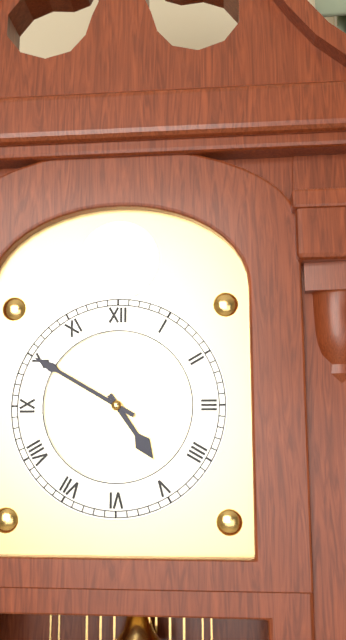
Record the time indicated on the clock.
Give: 4:50
